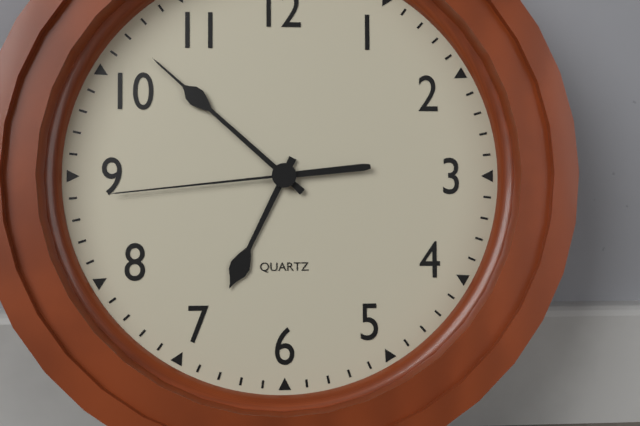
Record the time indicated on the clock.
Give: 6:52:44
